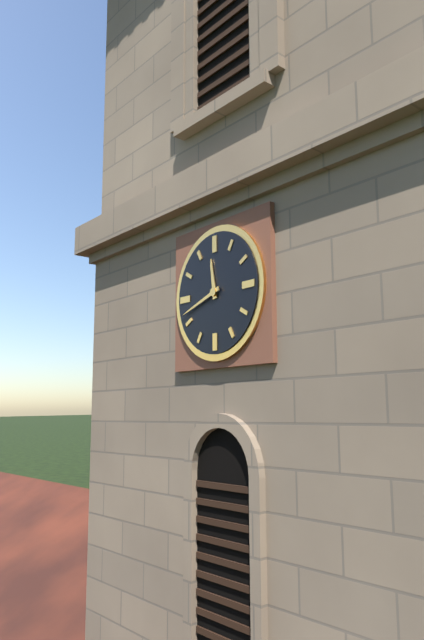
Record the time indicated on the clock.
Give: 11:42
